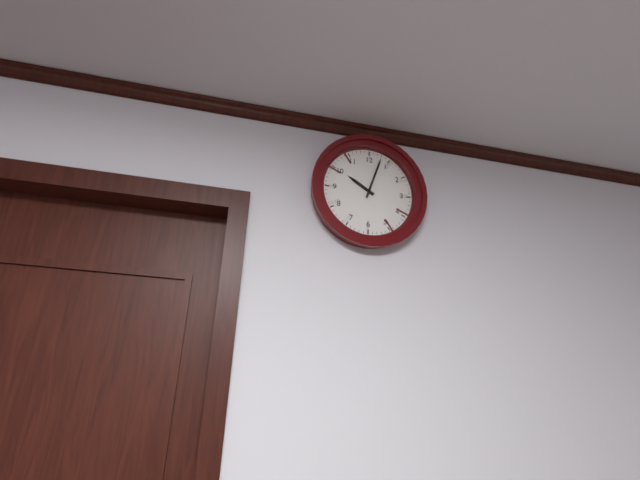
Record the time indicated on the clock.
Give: 10:03
